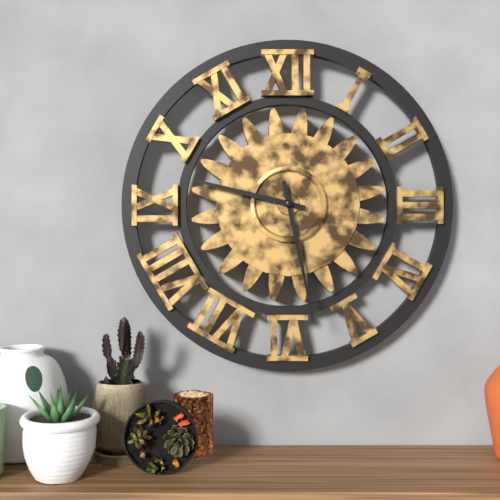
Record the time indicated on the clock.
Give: 9:28
